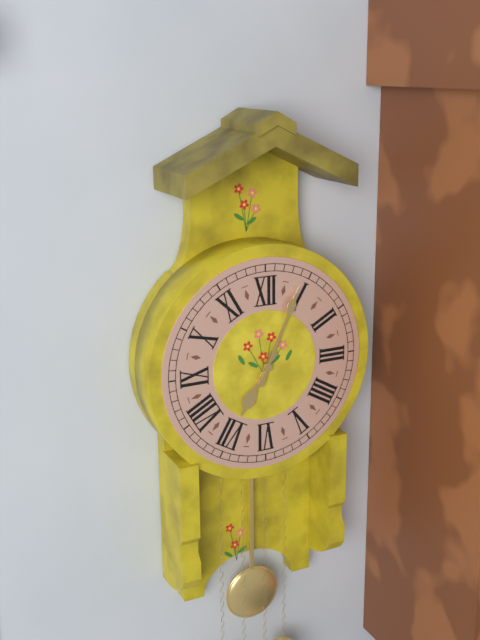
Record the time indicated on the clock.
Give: 7:04
